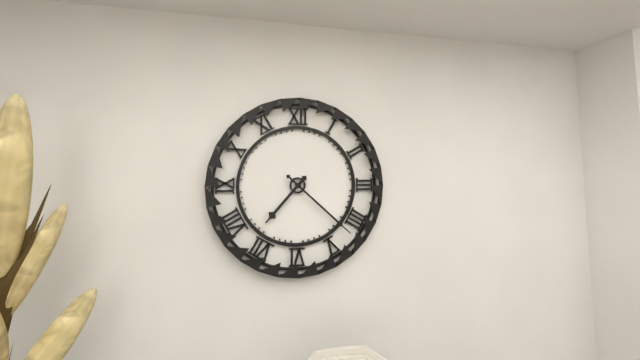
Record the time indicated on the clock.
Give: 7:22
